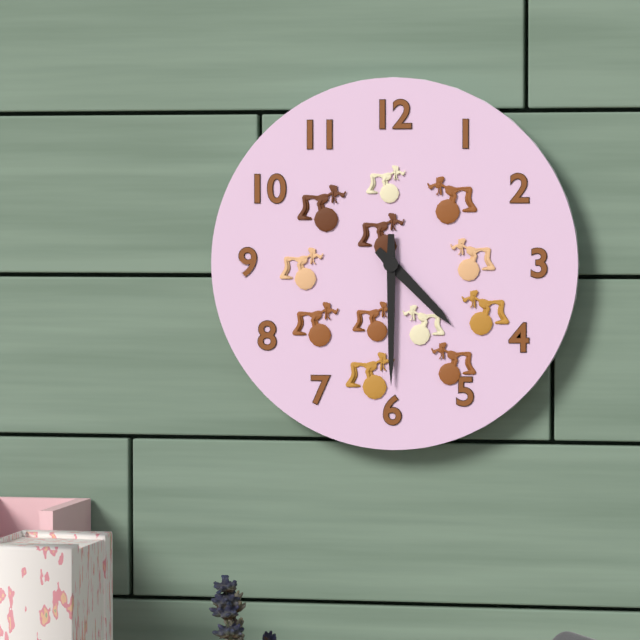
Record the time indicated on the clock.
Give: 4:30
